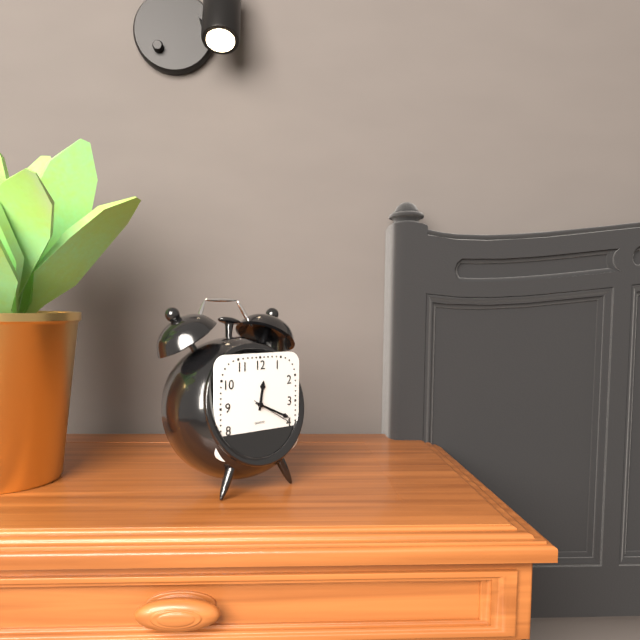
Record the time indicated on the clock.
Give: 12:19
